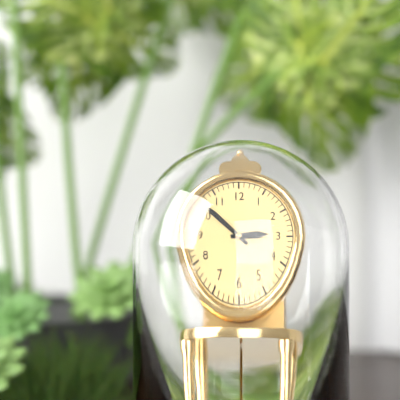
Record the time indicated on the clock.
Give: 2:52
